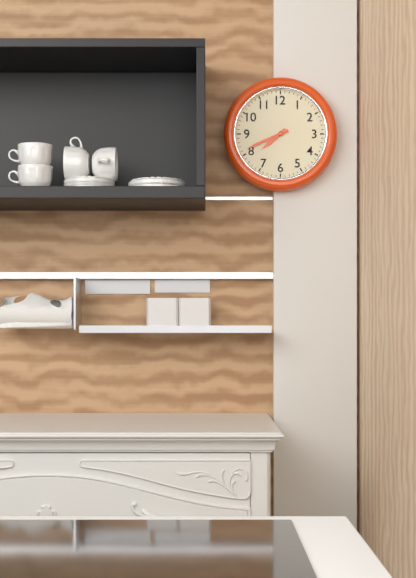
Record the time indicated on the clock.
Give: 7:41
